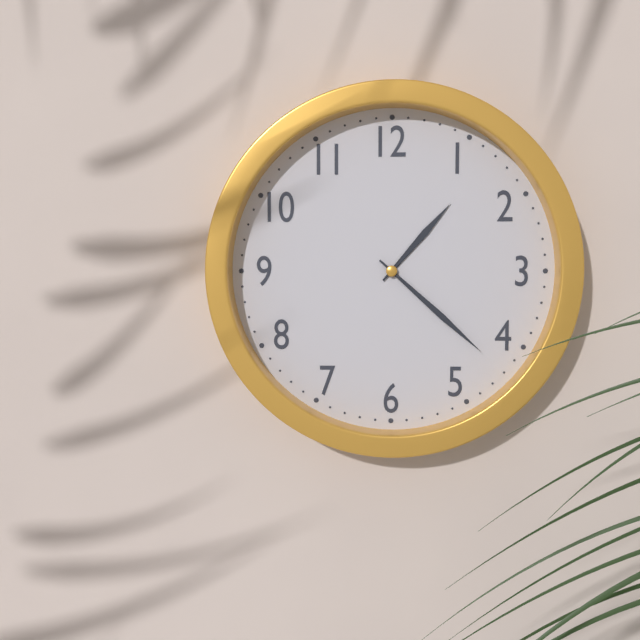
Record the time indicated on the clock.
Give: 1:22
